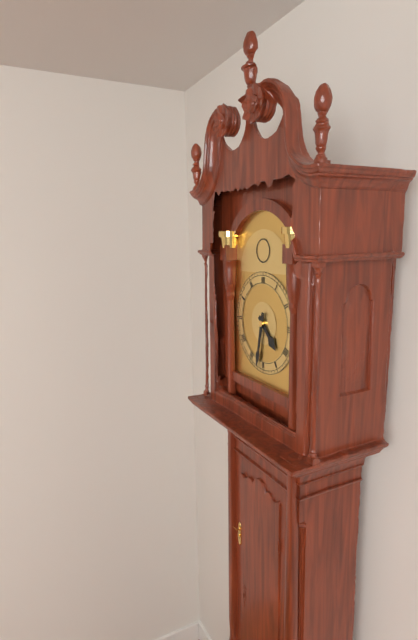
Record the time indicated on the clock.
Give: 4:32
